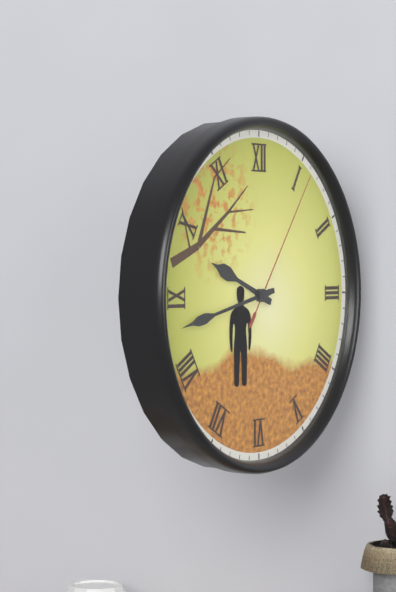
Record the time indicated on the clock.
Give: 9:43:06
